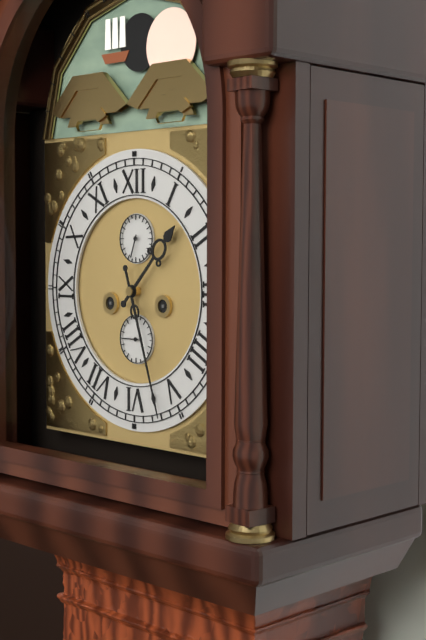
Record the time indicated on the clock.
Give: 1:27
